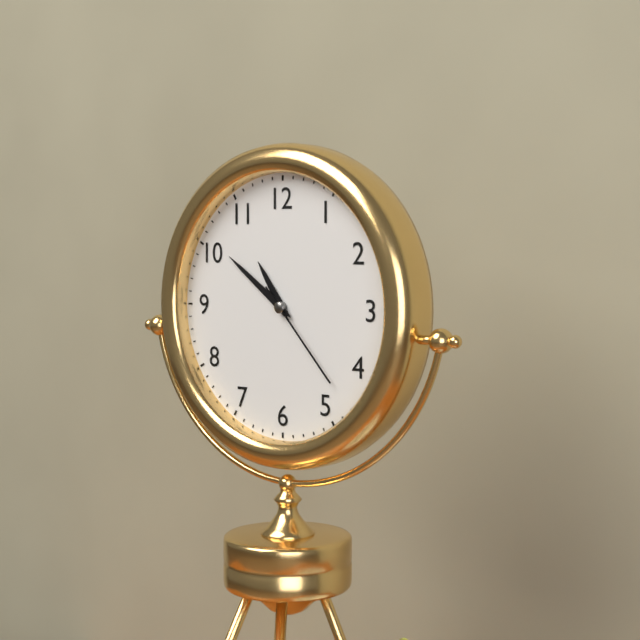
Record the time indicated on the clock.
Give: 10:51:23
